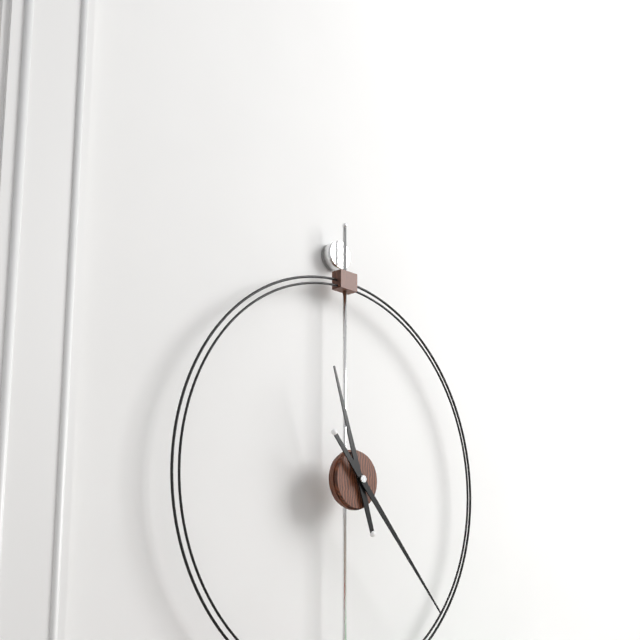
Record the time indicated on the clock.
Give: 11:23
